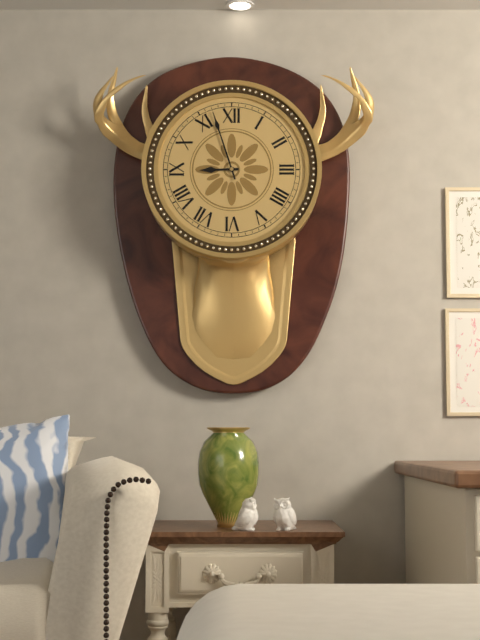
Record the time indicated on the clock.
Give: 8:57
